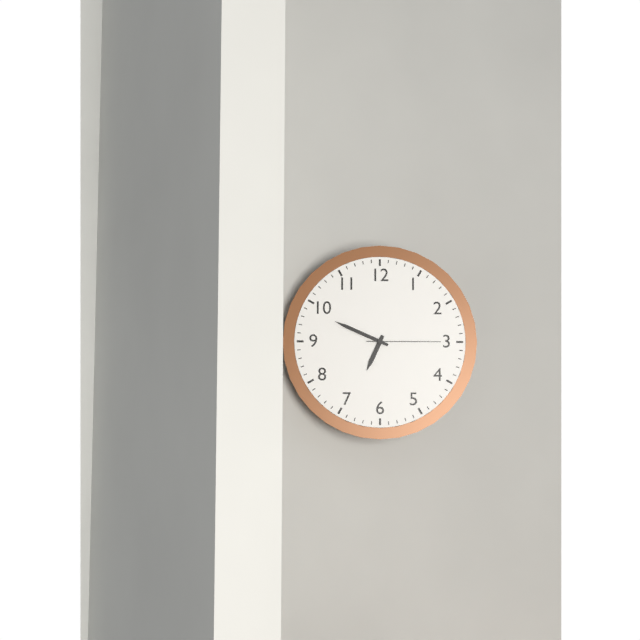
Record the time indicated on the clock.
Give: 6:49:15
